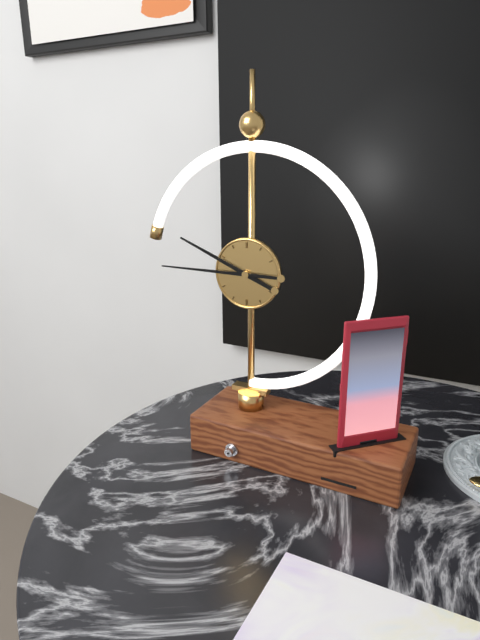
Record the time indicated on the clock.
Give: 9:45
